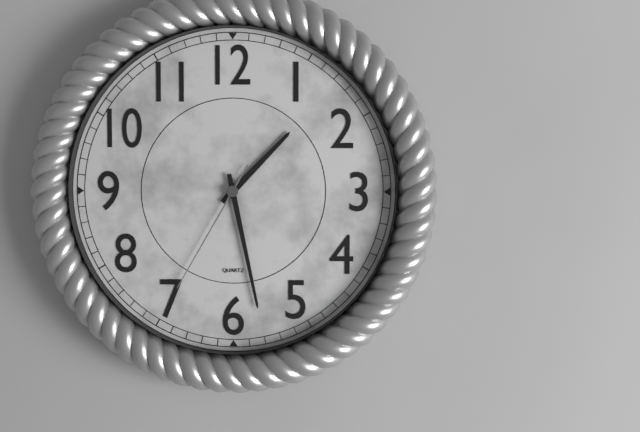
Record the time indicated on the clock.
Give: 1:28:35
